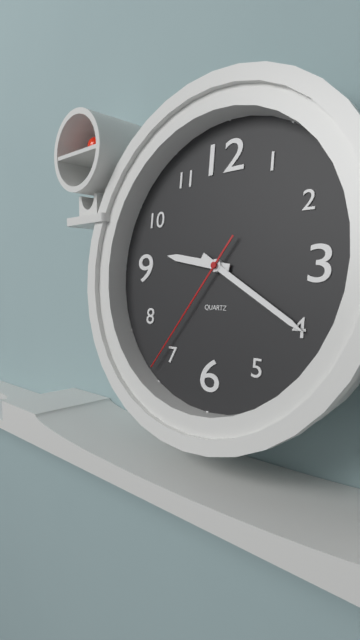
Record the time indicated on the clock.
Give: 9:20:36
